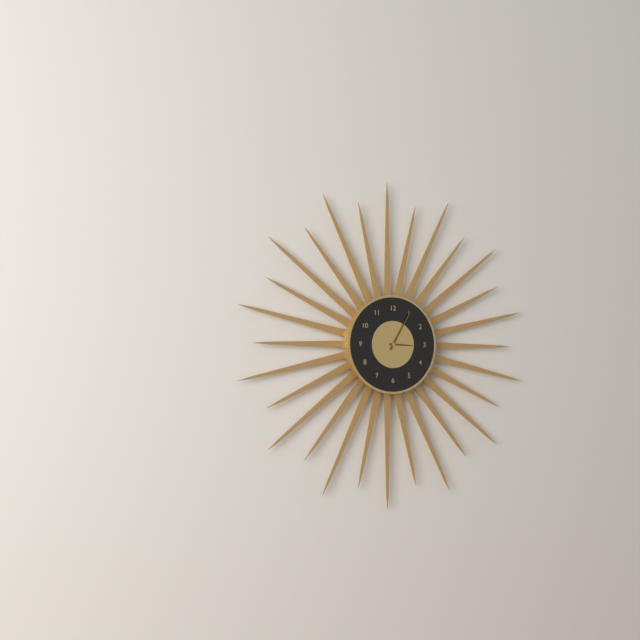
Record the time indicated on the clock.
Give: 3:05
